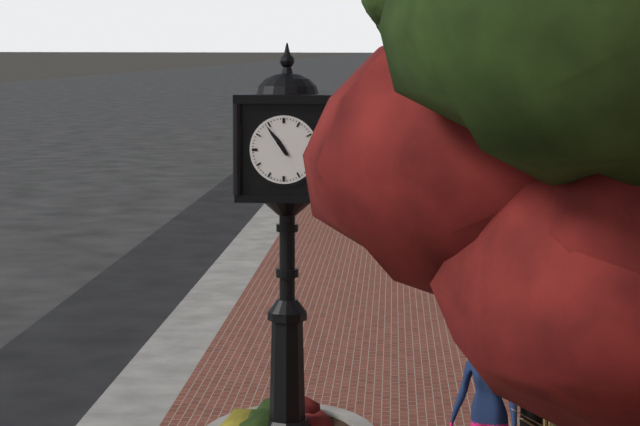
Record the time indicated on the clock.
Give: 10:54
